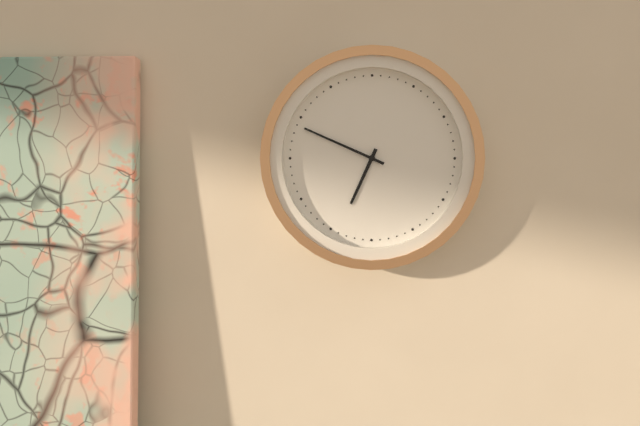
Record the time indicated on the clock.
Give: 6:49
